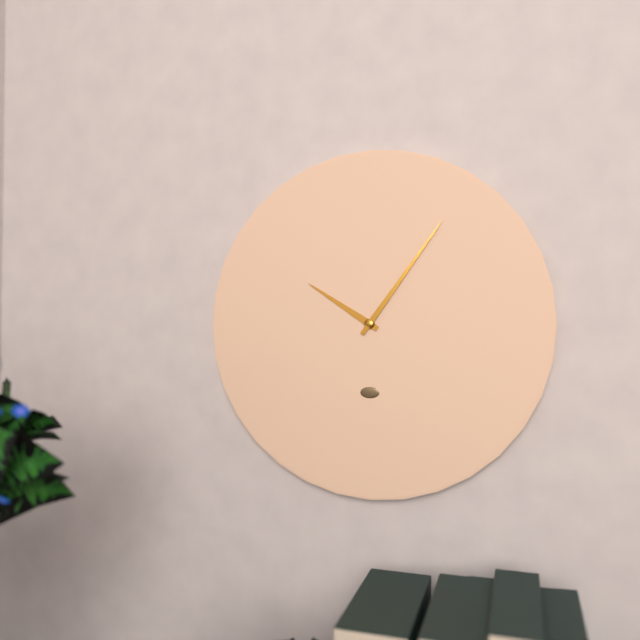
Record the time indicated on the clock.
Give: 10:06
